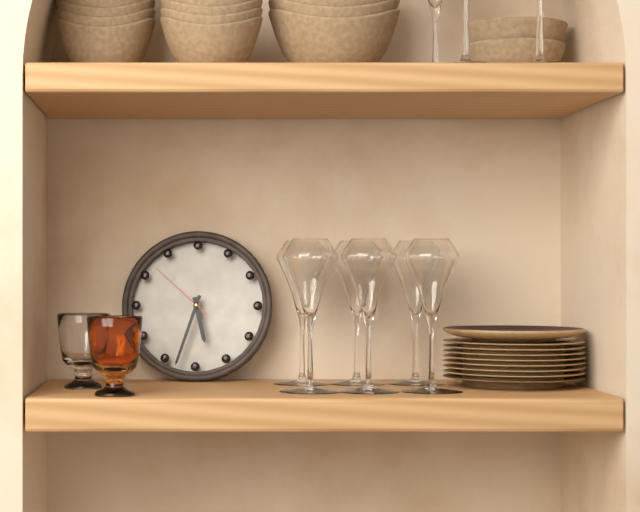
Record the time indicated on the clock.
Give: 5:33:52
